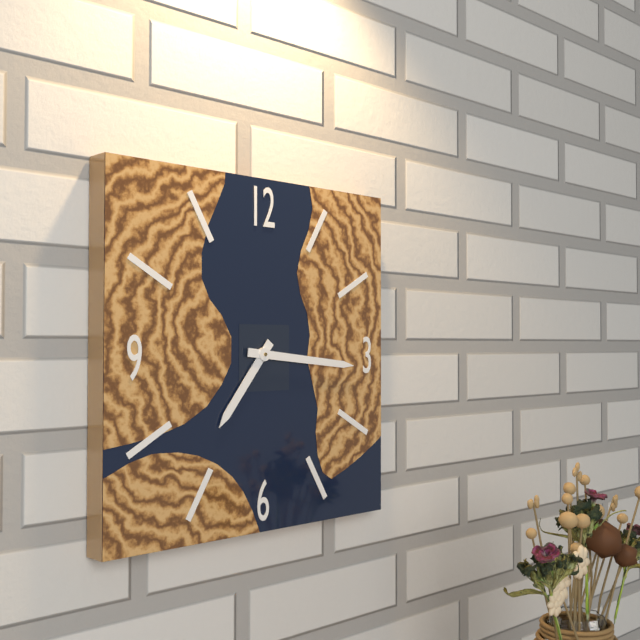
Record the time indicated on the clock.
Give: 7:16
